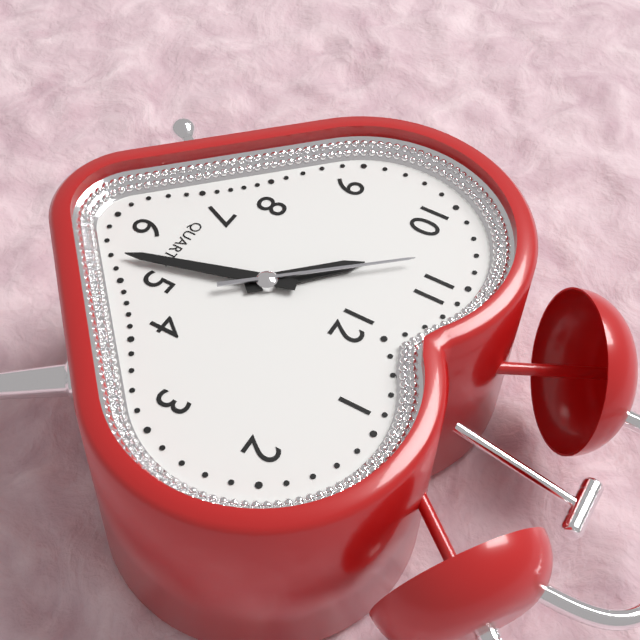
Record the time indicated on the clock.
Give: 10:27:53
